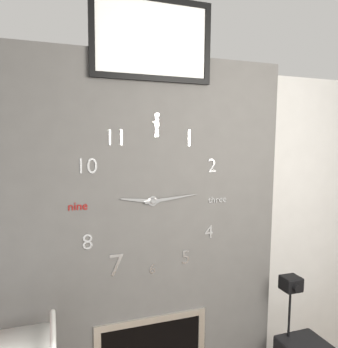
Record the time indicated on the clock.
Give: 9:14
